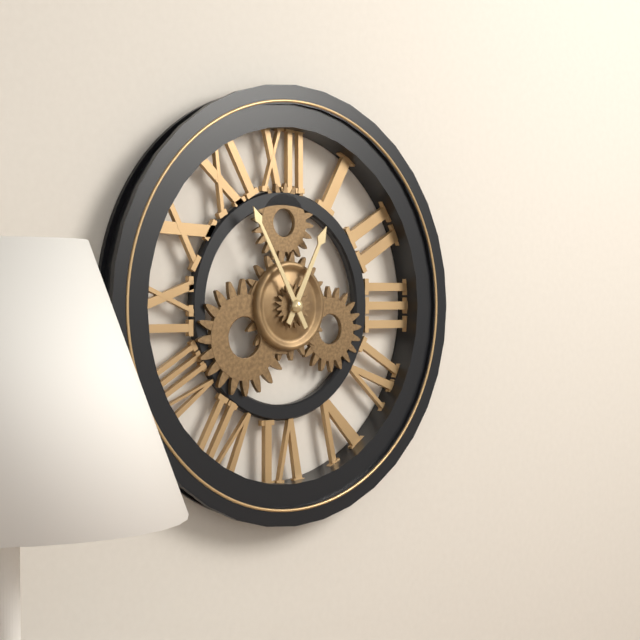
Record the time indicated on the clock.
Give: 12:55
